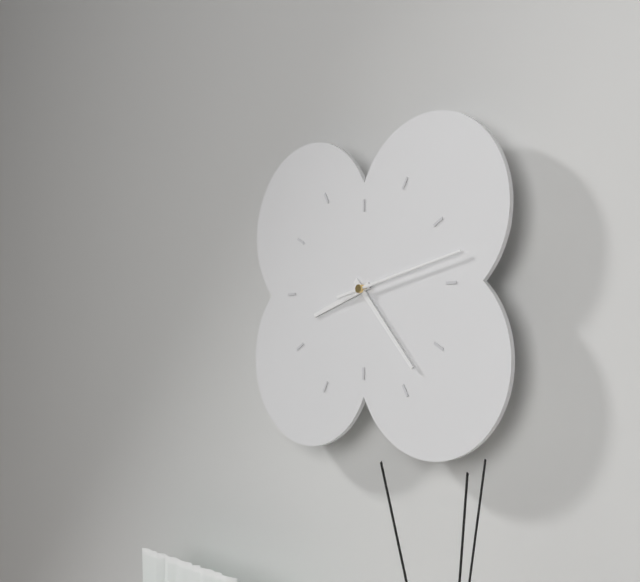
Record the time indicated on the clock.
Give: 8:23:13
